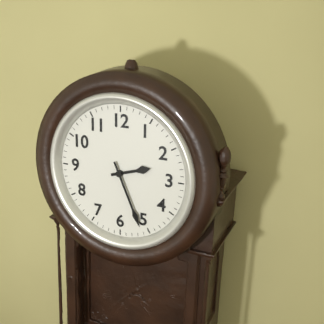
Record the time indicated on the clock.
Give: 2:26
